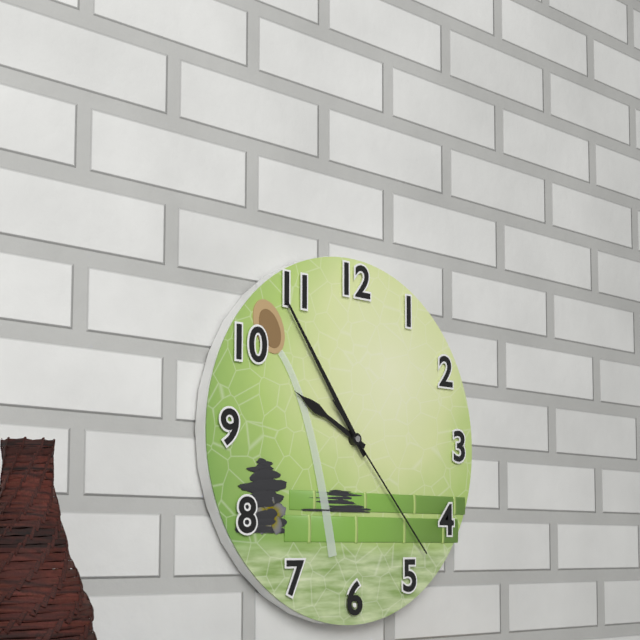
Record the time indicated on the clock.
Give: 9:54:23
